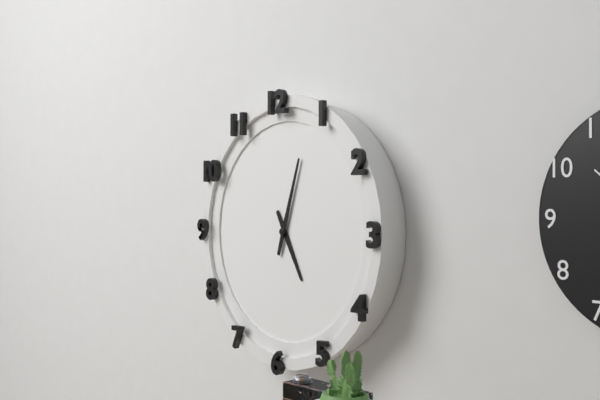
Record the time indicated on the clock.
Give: 5:03
